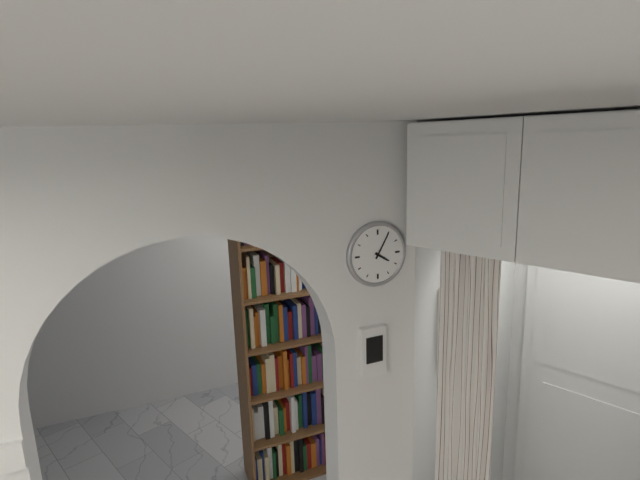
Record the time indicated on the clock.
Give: 4:05
